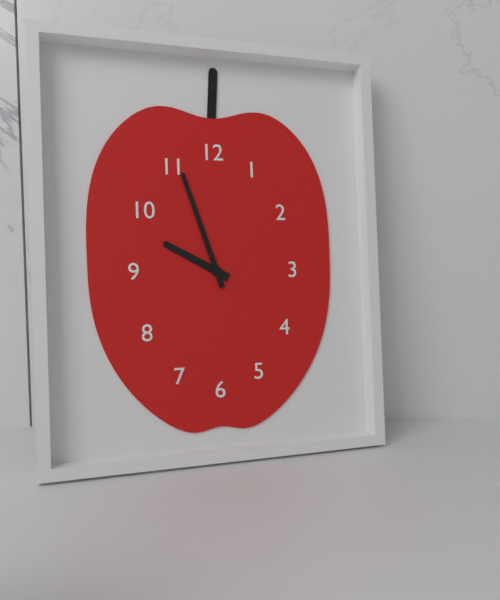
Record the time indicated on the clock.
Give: 9:57
